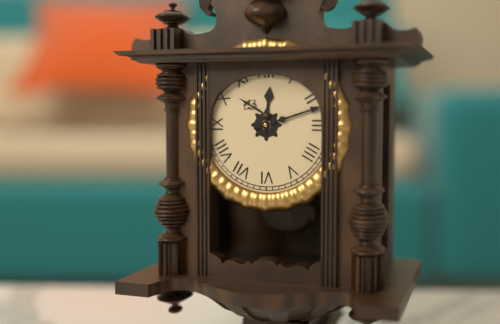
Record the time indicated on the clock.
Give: 12:12
